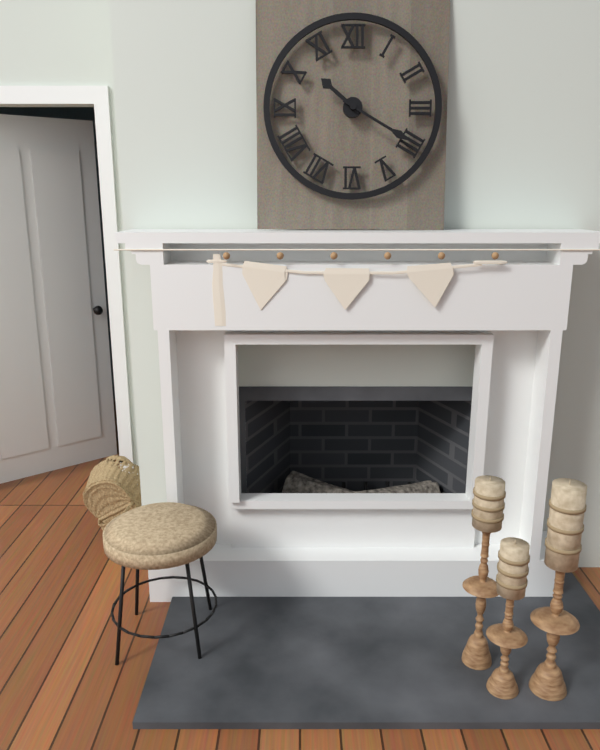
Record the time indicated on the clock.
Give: 10:20
